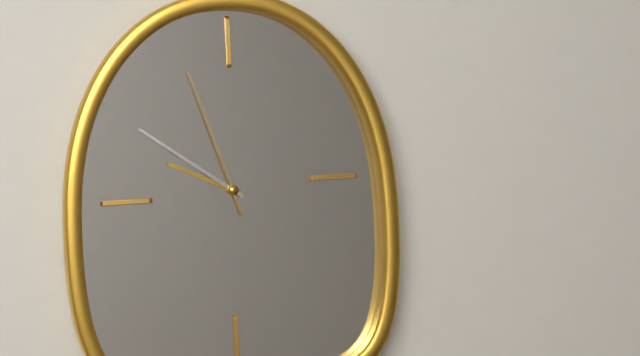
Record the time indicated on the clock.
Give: 9:51:57
